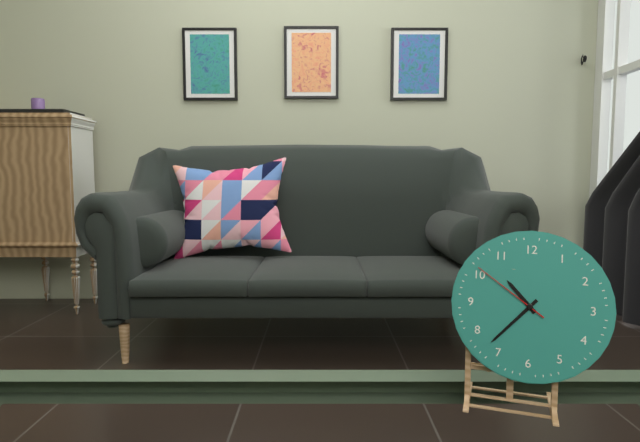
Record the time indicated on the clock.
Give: 10:37:51
